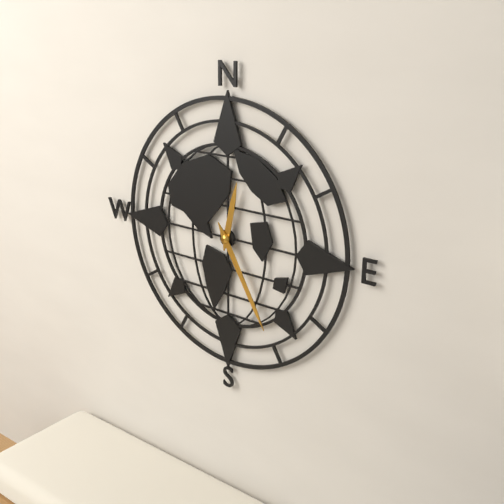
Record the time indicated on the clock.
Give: 12:25
